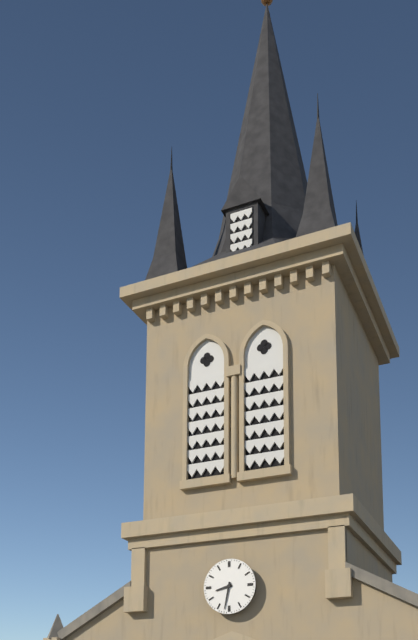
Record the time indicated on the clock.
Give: 8:32
